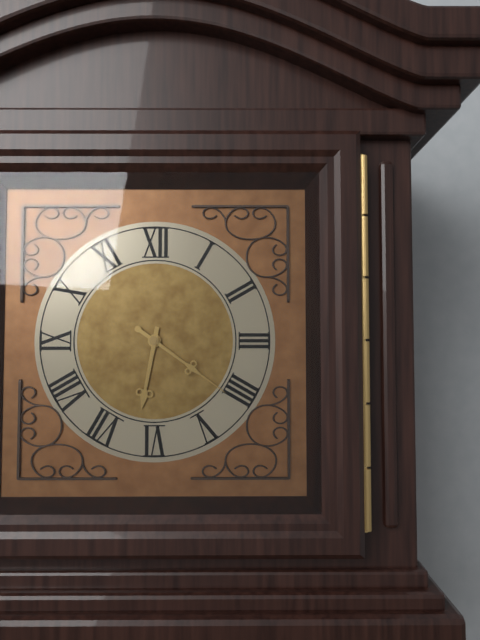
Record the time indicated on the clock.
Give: 6:21
